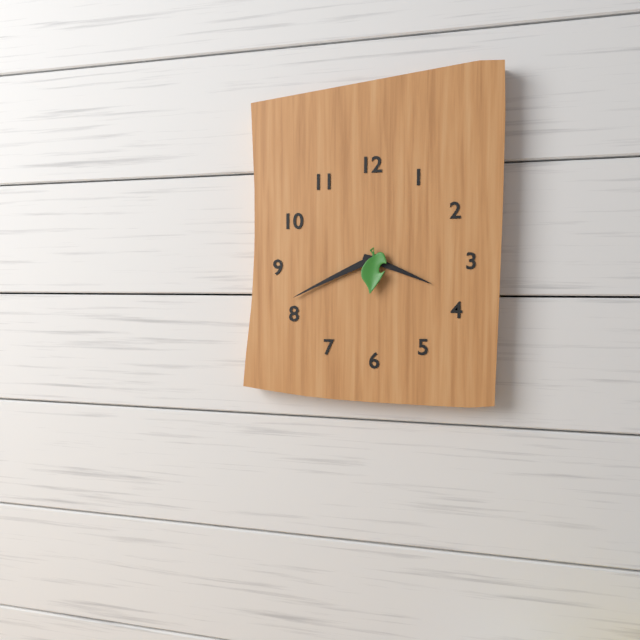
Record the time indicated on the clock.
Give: 3:41
